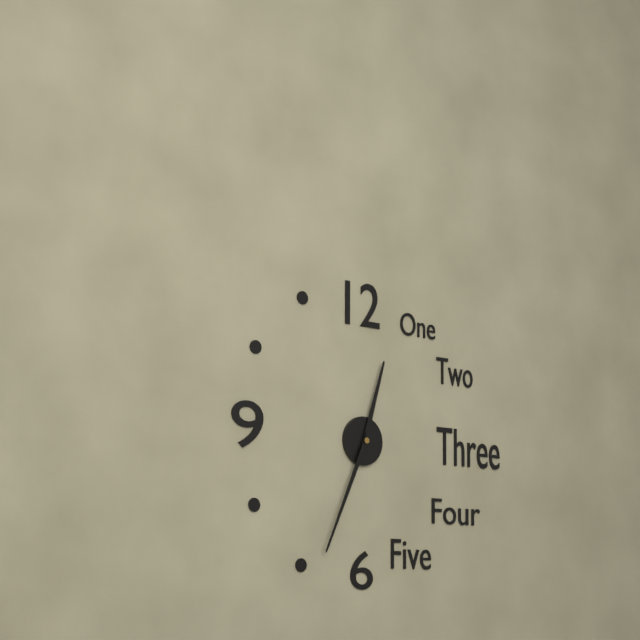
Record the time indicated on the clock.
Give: 12:34
